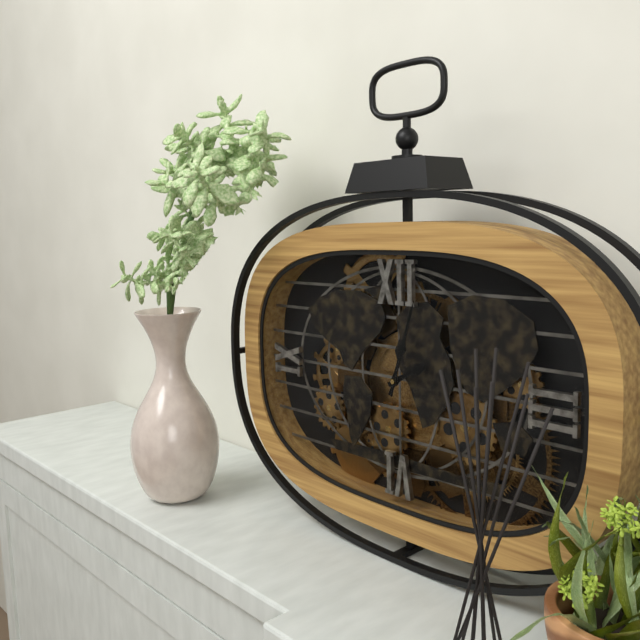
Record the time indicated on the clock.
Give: 2:03
